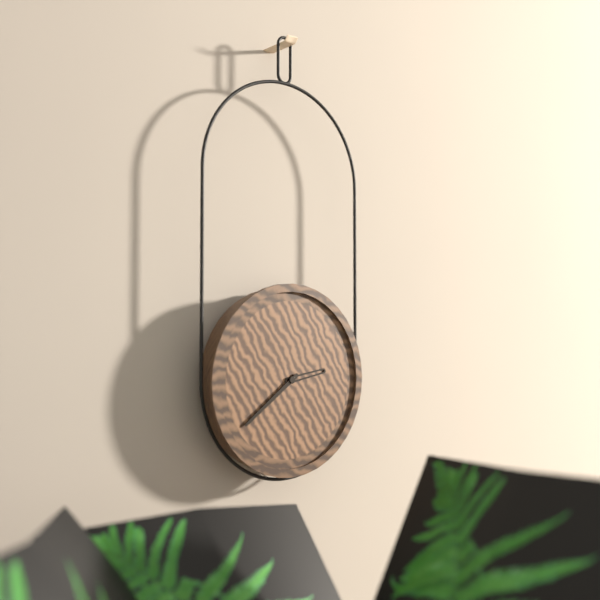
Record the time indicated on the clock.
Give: 2:39
